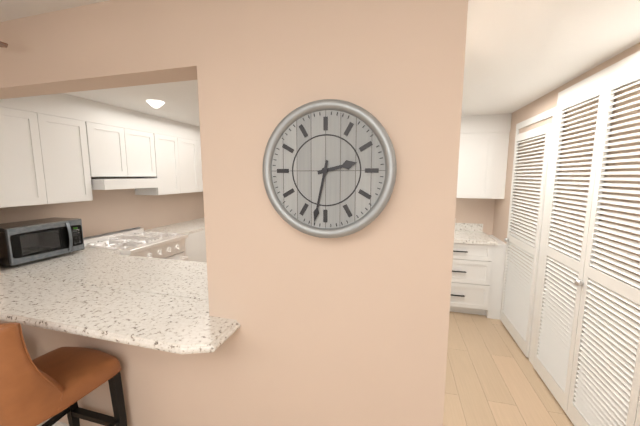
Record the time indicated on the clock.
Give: 2:32
